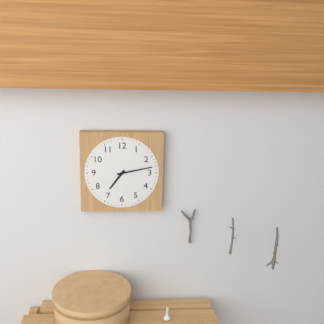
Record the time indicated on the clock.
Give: 7:13
